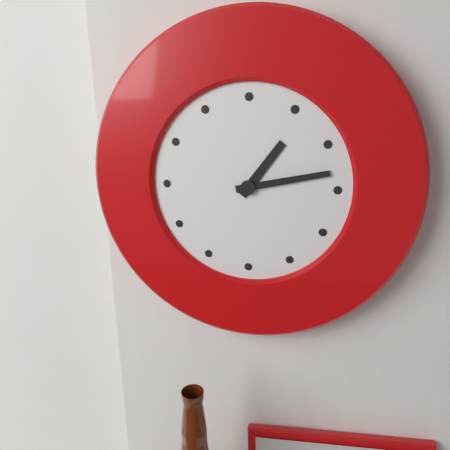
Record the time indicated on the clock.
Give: 1:13
